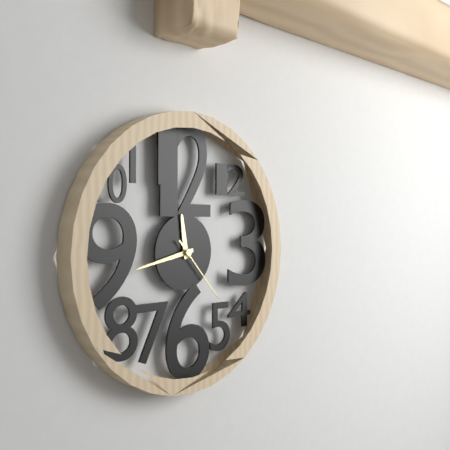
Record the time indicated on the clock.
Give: 11:43:23
